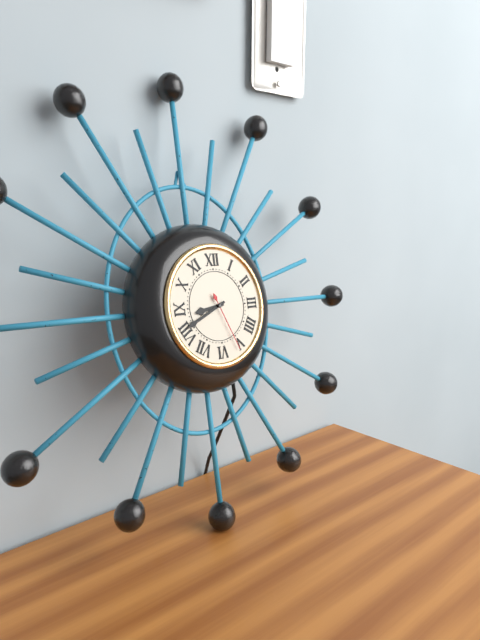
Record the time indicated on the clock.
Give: 8:41:26
